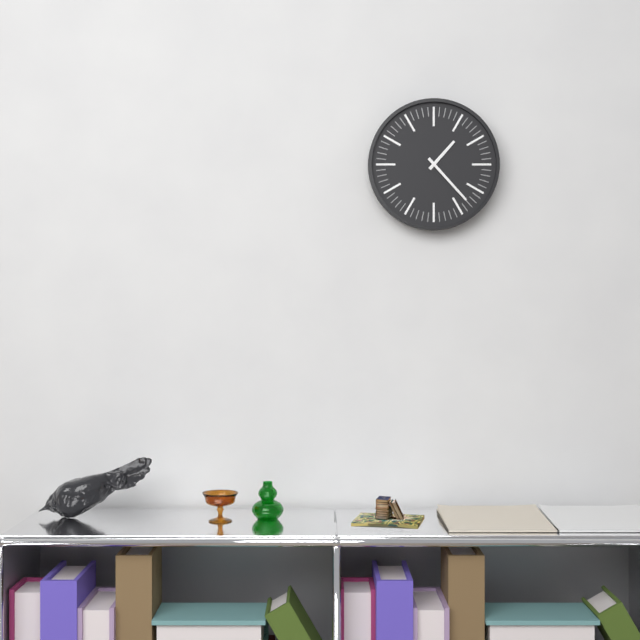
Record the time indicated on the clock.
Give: 1:23
